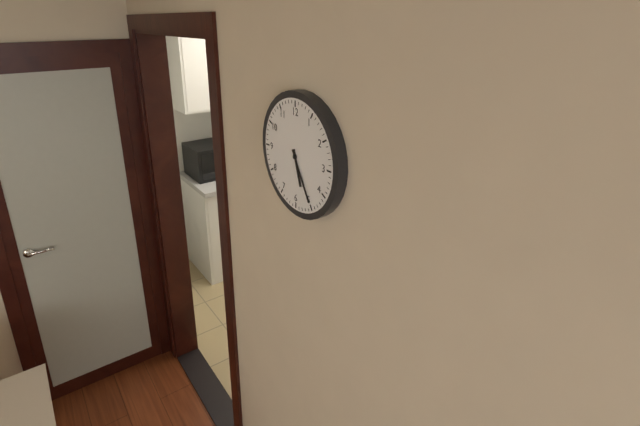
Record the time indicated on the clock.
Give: 5:25
